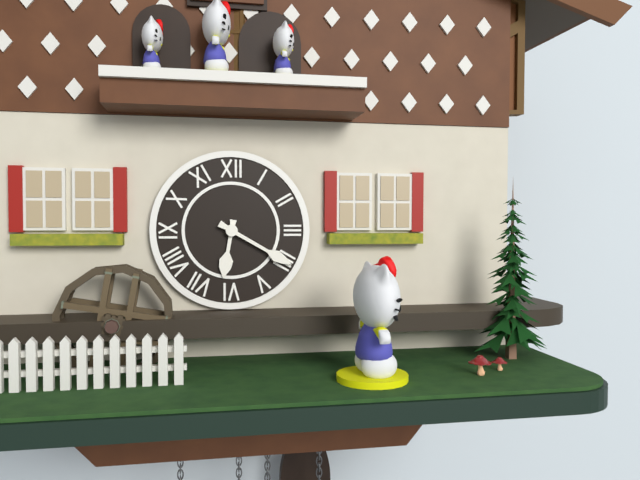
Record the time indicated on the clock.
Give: 6:20
